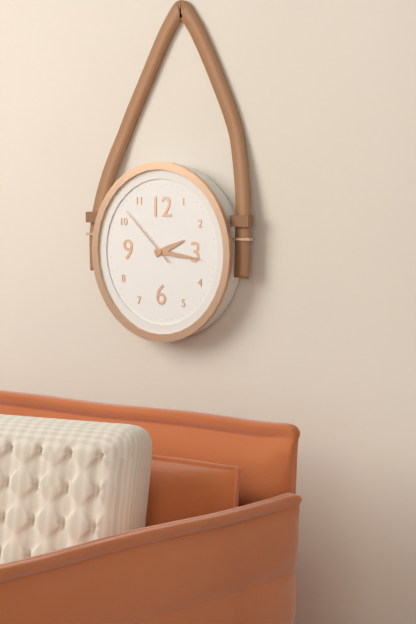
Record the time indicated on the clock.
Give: 2:16:52
